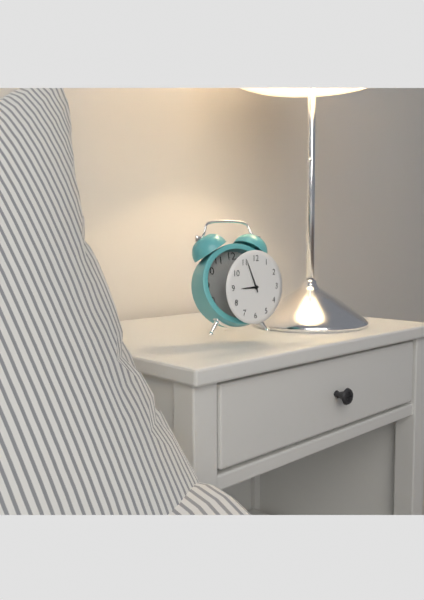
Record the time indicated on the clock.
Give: 8:56
